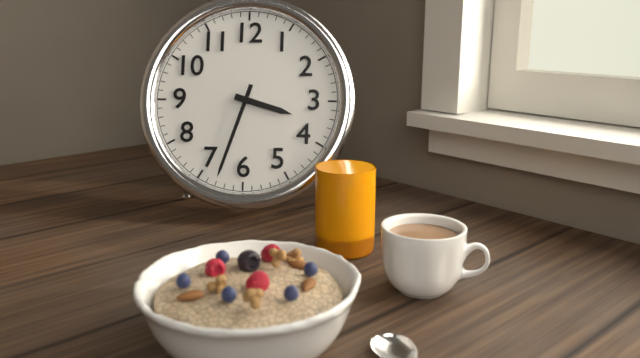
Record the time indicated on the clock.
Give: 3:33
